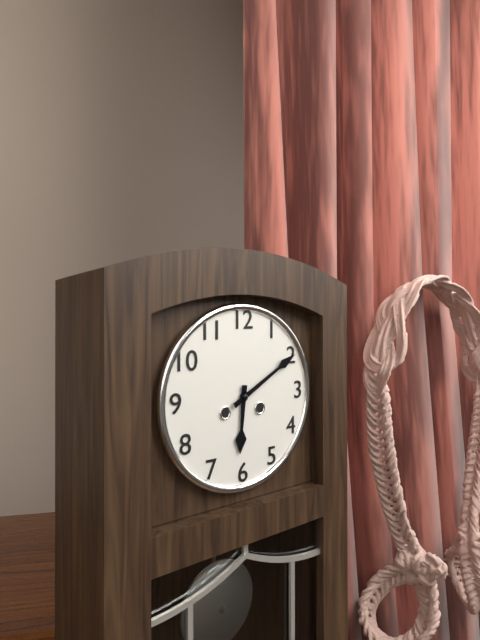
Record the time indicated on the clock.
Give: 6:10
